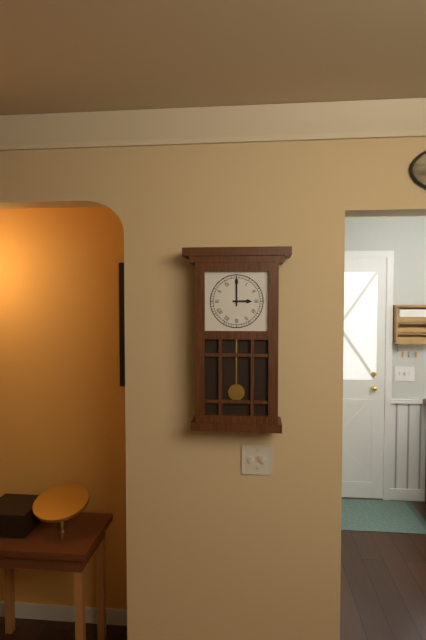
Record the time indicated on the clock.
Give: 3:00
